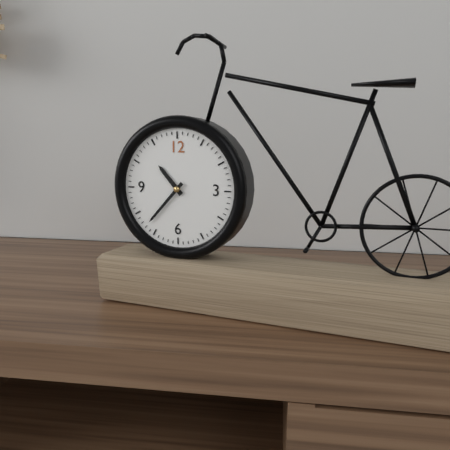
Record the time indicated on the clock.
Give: 10:37
